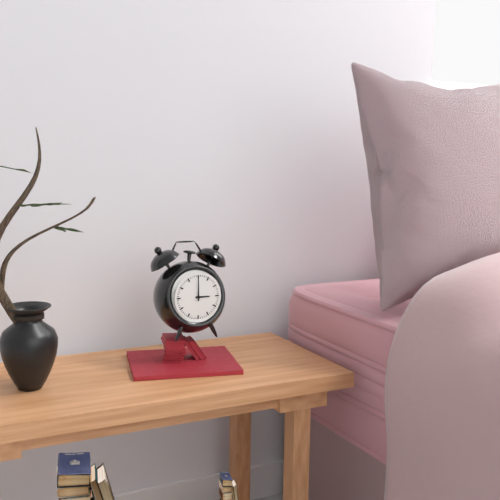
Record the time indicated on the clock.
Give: 3:00
